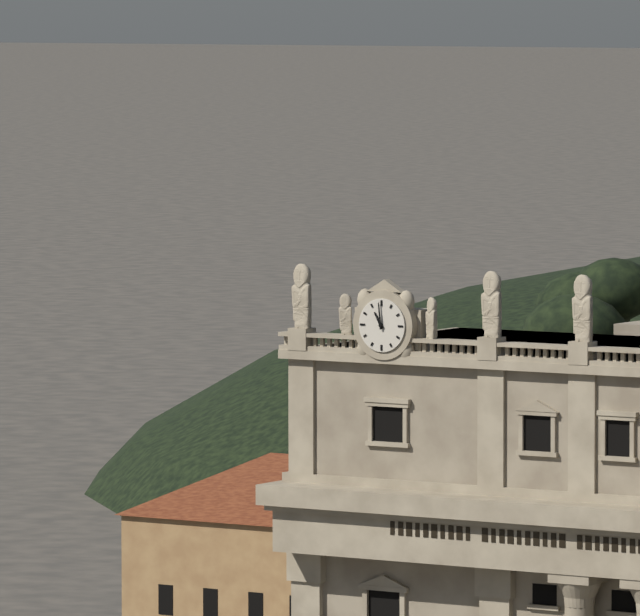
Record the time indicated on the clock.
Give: 10:59
